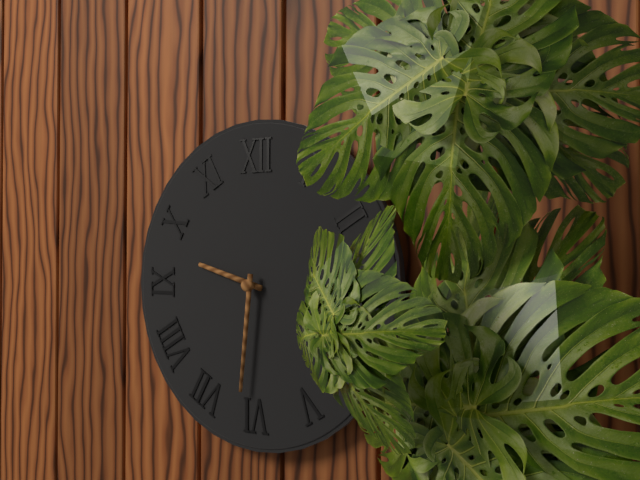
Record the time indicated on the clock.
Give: 9:31
